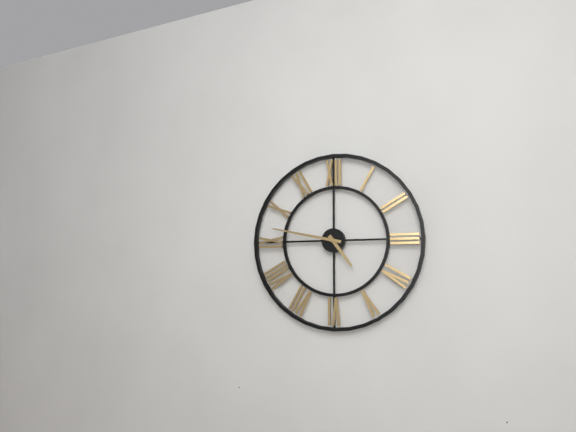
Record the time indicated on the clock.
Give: 4:47
